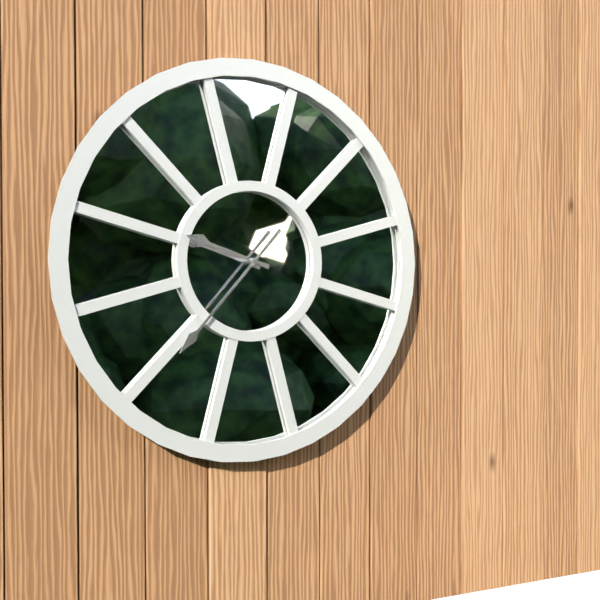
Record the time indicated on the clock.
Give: 9:37
